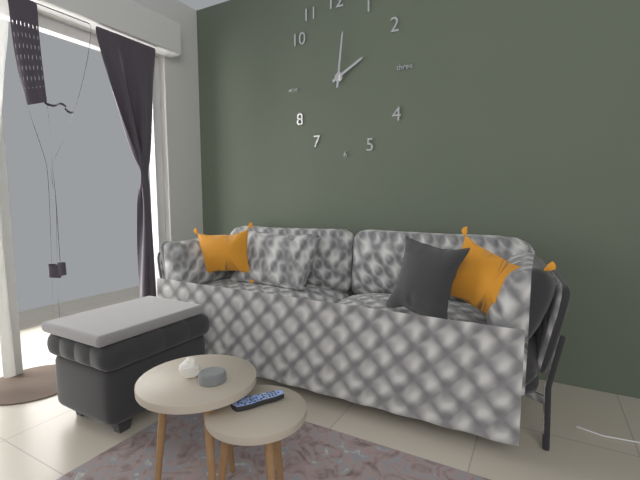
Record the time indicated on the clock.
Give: 2:01
